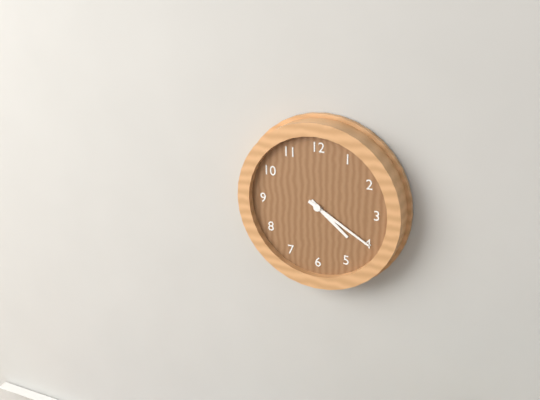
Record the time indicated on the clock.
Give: 4:20
